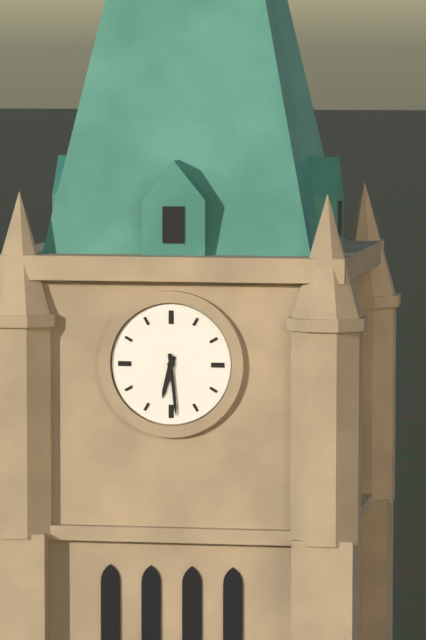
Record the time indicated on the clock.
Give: 6:29
